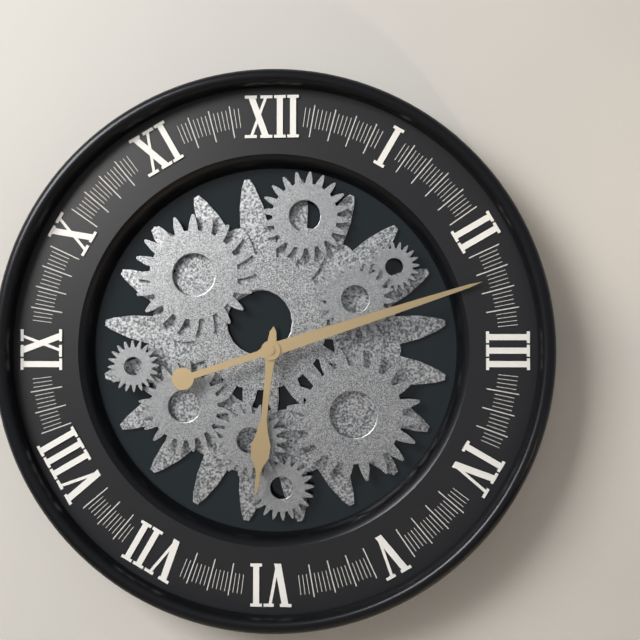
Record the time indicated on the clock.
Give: 6:12
